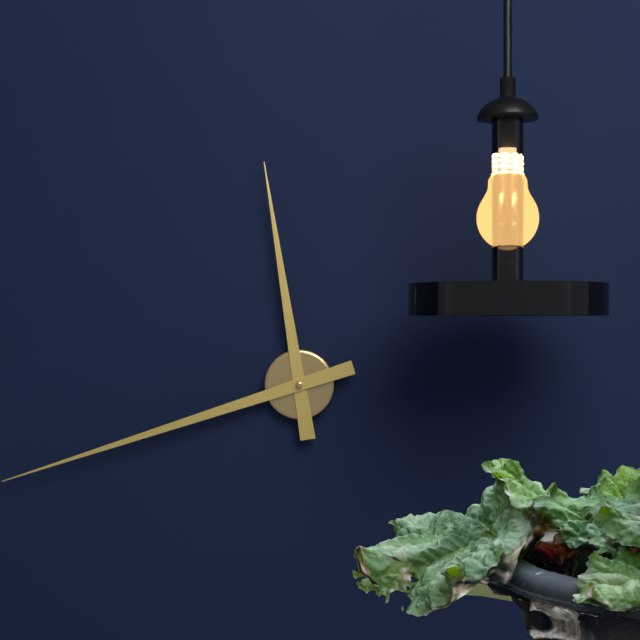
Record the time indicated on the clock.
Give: 11:42
